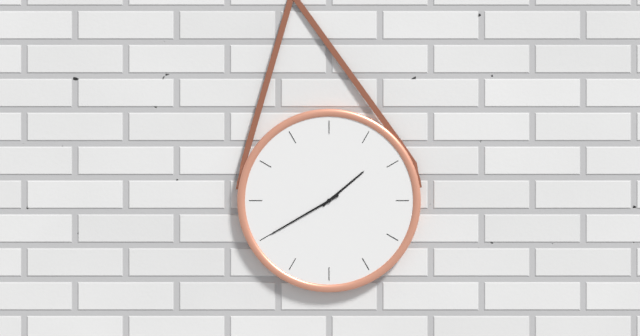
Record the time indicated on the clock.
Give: 1:40
